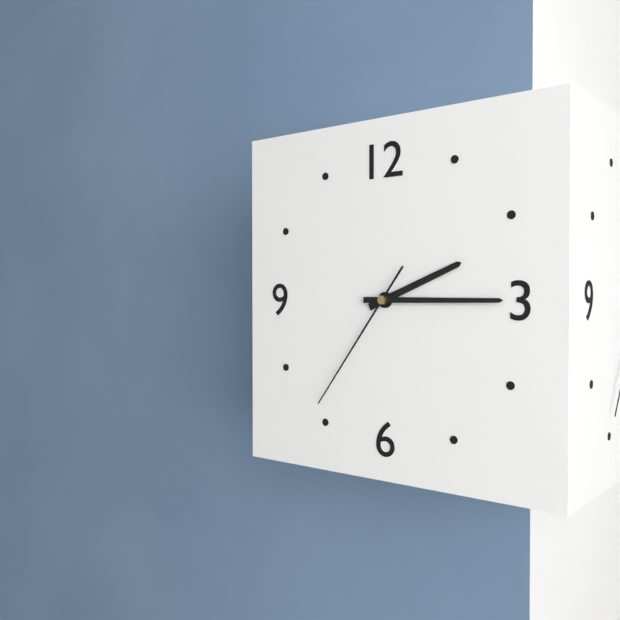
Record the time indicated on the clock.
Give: 2:15:36
